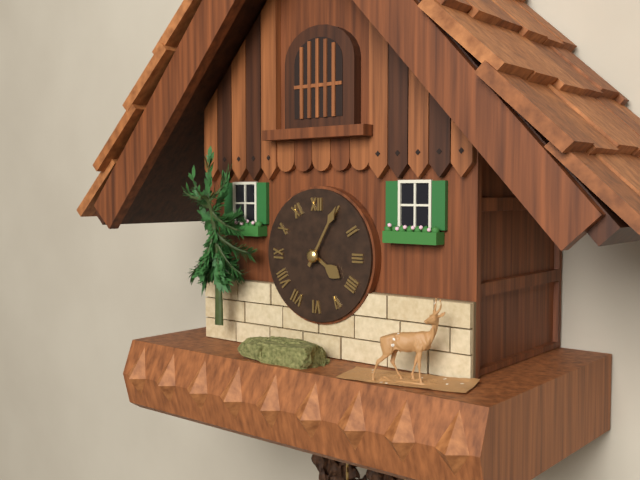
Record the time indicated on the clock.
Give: 4:05
